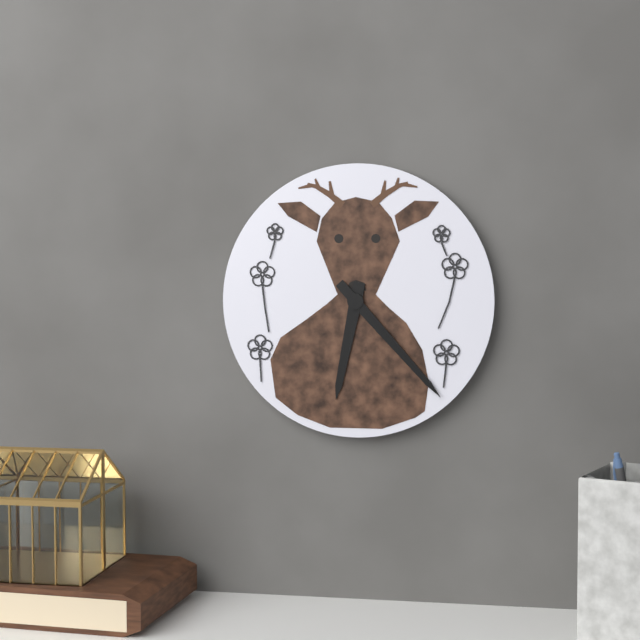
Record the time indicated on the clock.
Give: 6:23
